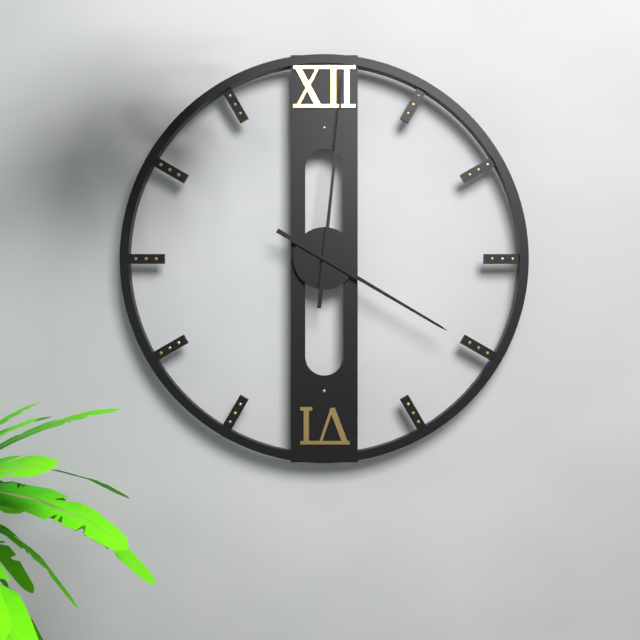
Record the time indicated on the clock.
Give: 4:01
